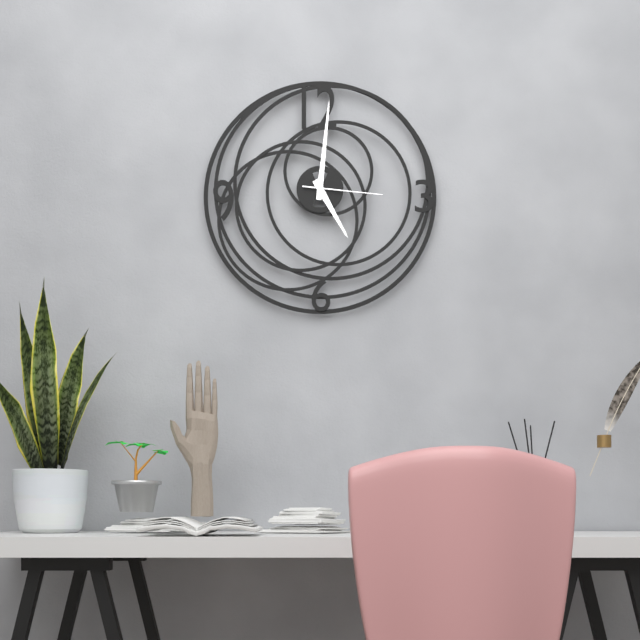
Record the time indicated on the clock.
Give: 5:01:16
